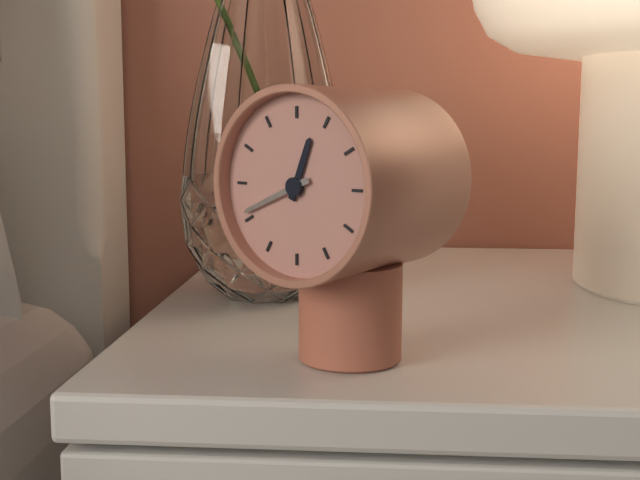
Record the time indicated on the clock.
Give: 12:41
